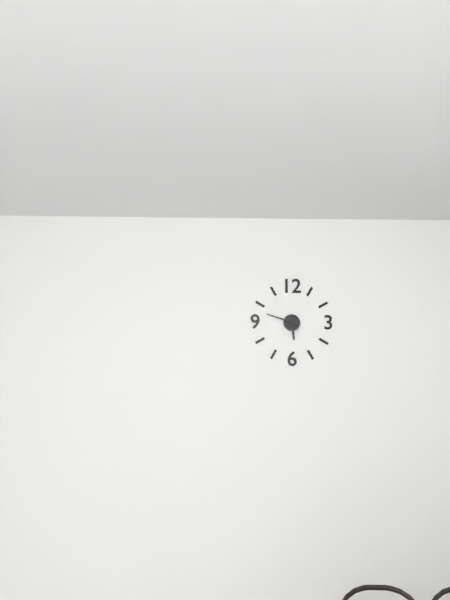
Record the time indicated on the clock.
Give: 5:48
